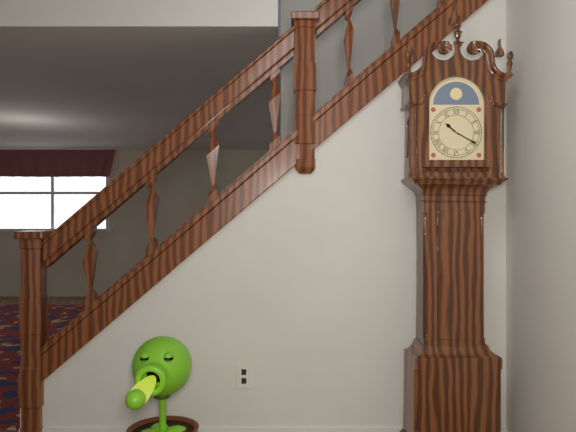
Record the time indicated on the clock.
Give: 10:20
